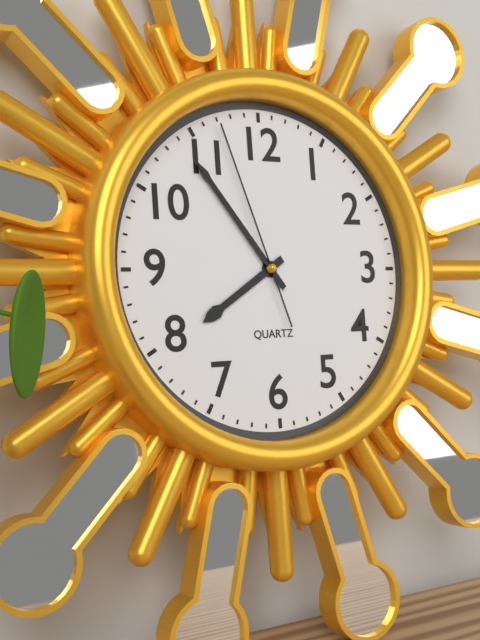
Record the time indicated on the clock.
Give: 7:54:57
